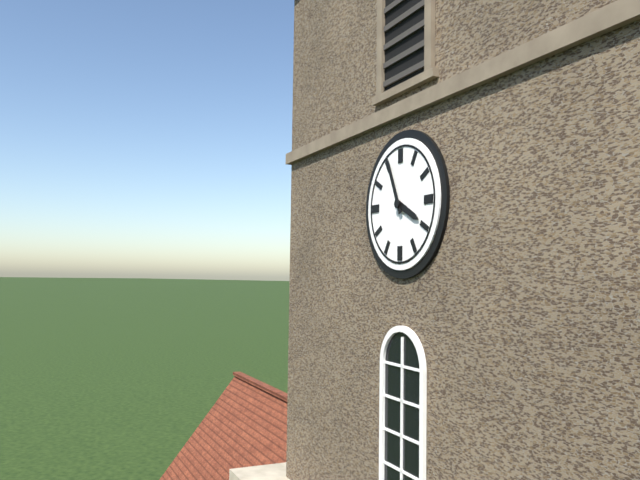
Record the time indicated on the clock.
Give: 3:56
